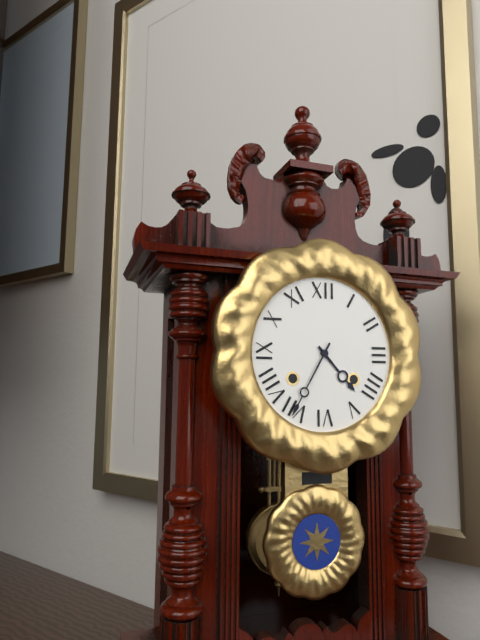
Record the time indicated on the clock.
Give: 4:35
